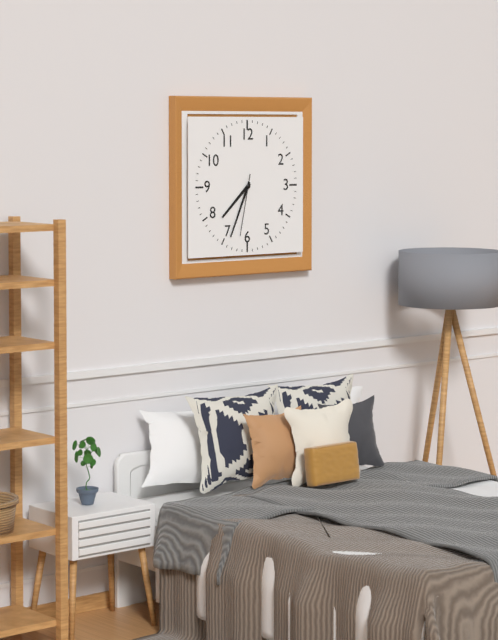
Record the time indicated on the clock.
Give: 7:34:32
